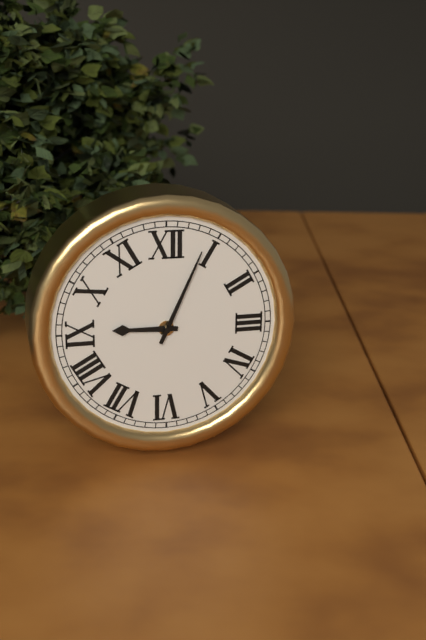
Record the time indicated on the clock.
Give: 9:04
